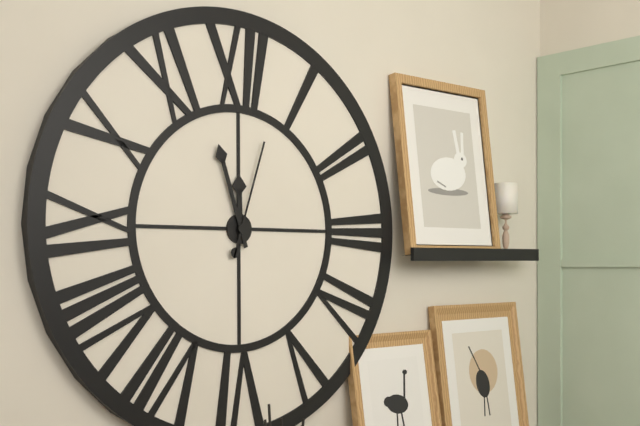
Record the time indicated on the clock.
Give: 11:57:03
